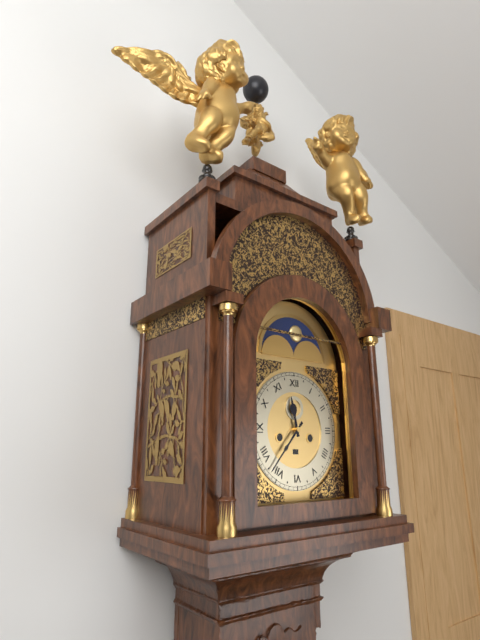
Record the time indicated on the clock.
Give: 11:37
